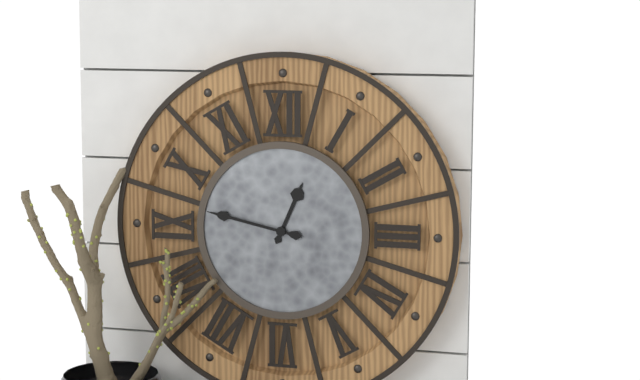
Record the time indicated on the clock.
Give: 12:47
